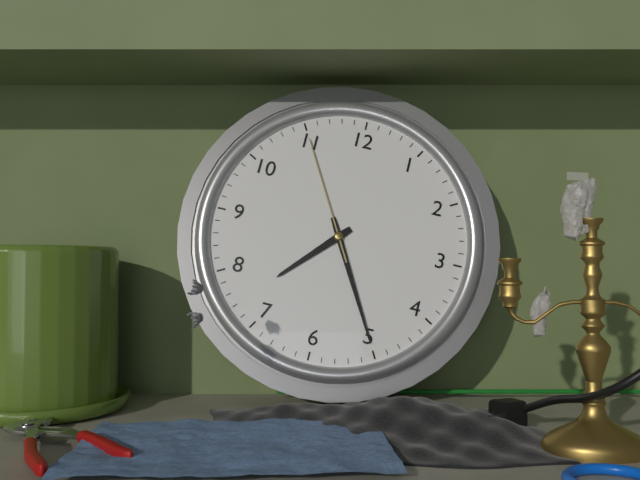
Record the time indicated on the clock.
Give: 7:25:55
